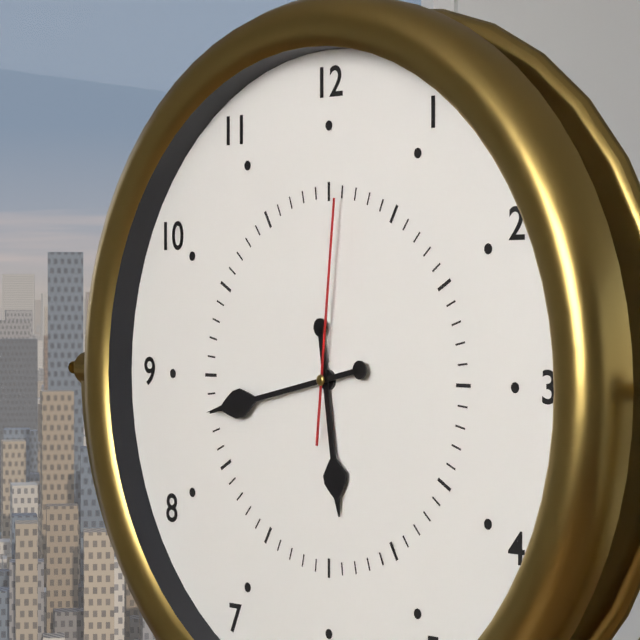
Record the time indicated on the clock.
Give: 5:43:01
